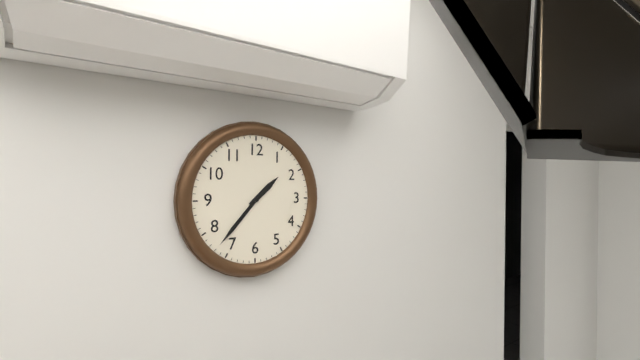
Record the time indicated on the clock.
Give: 1:37
